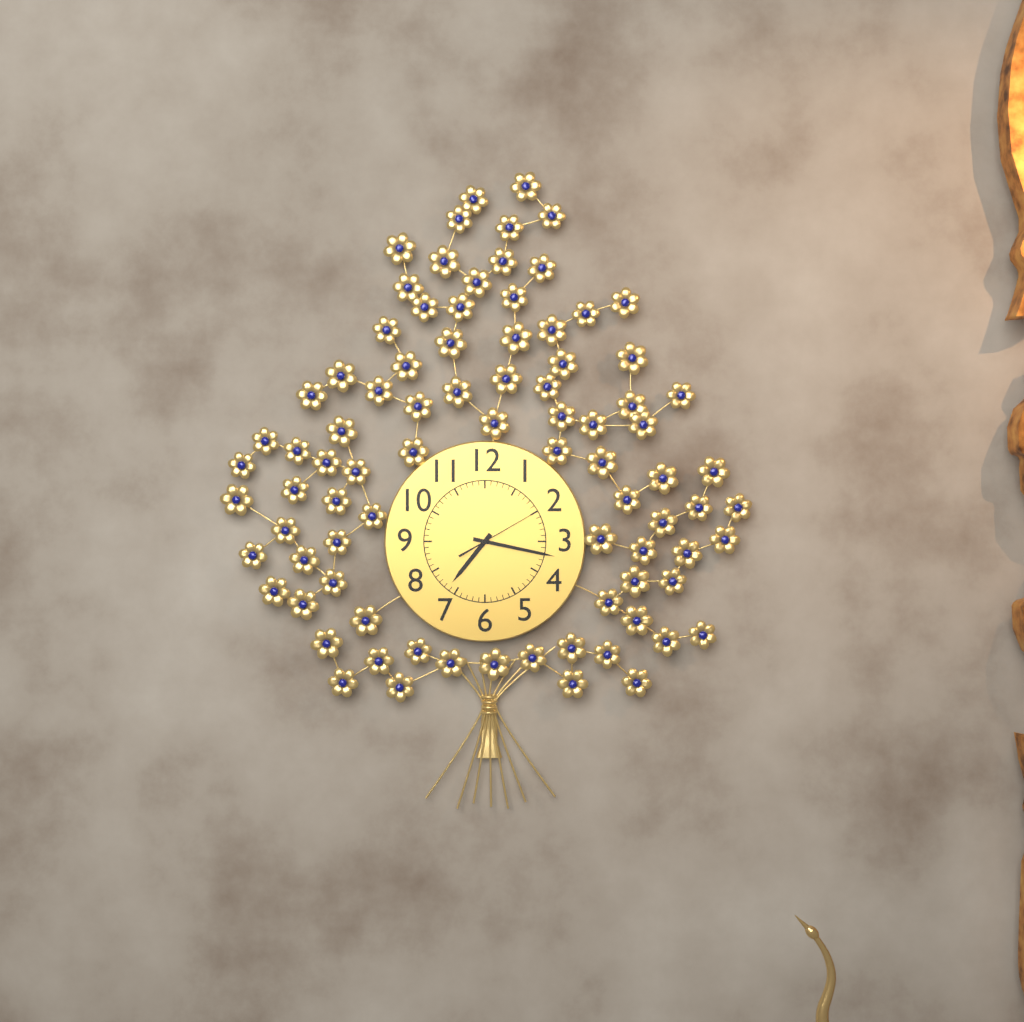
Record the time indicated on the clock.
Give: 7:17:10
